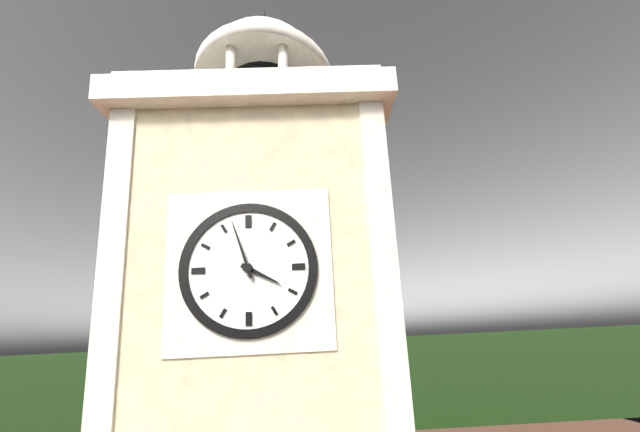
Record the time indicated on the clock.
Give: 3:57
